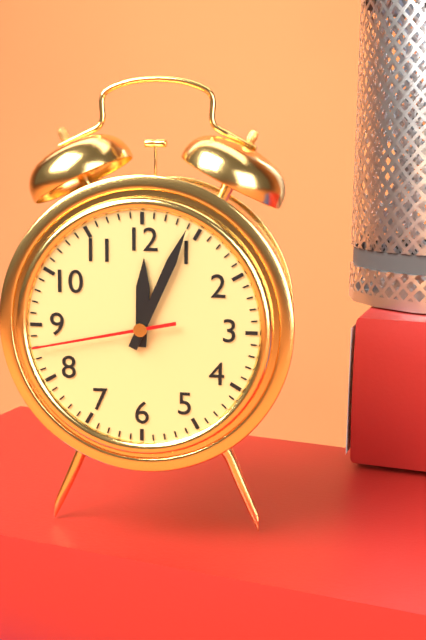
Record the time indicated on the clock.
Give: 12:04:43
